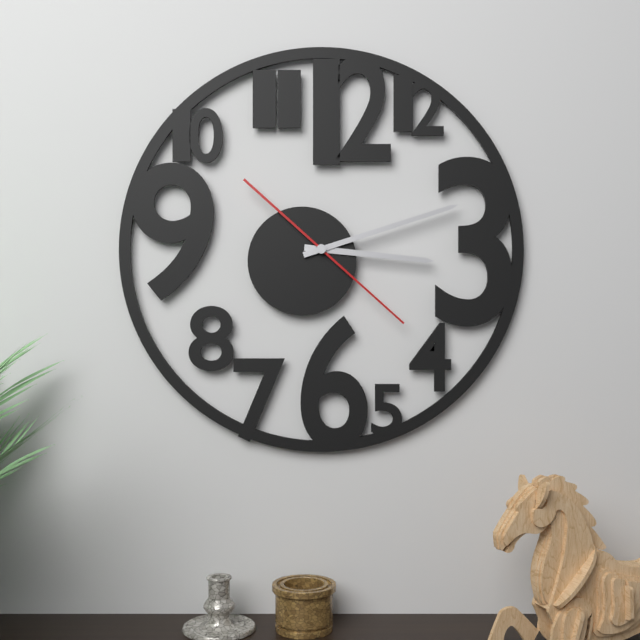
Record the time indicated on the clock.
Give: 3:12:22
